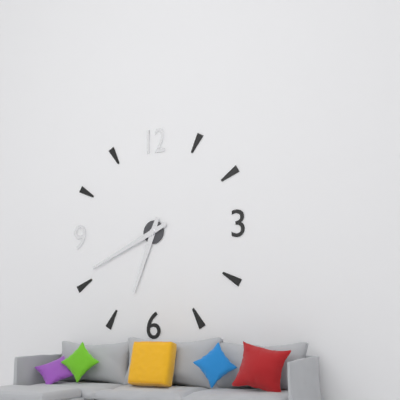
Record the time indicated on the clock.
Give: 6:41
